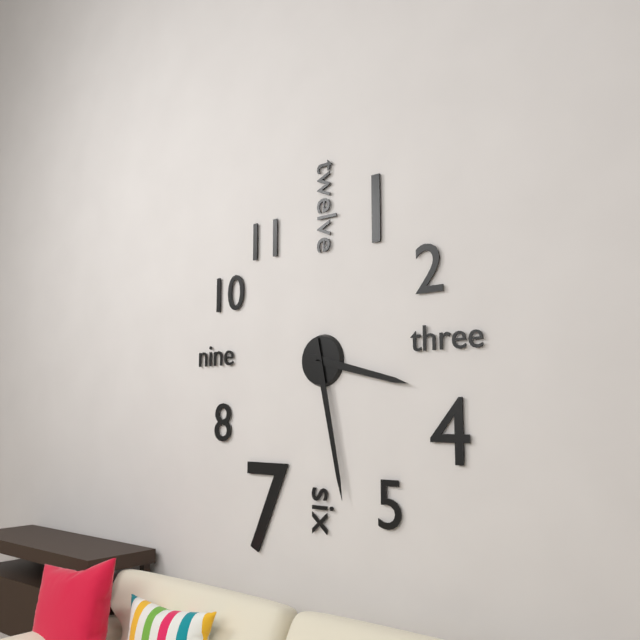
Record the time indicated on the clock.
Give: 3:28
